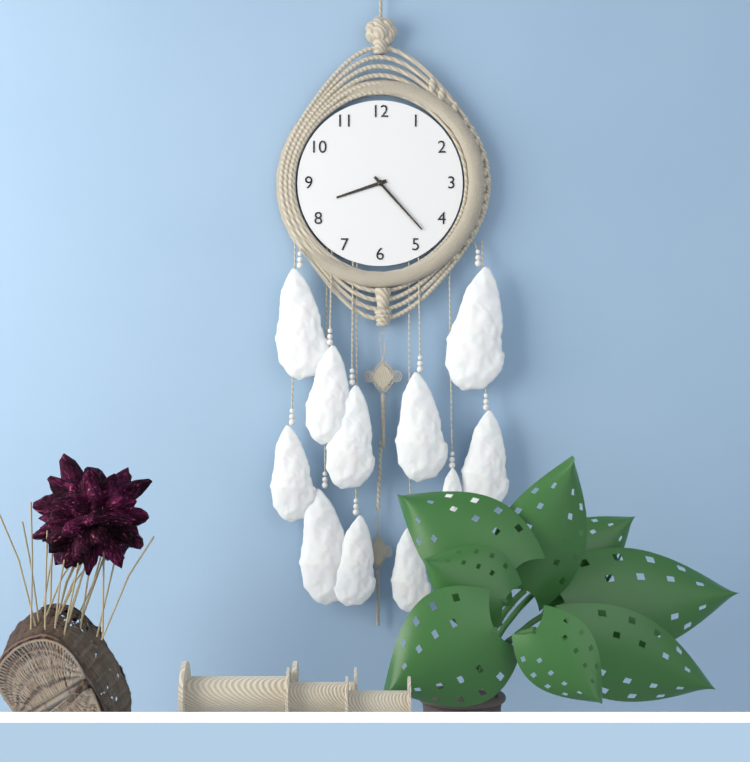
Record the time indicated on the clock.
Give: 8:23
